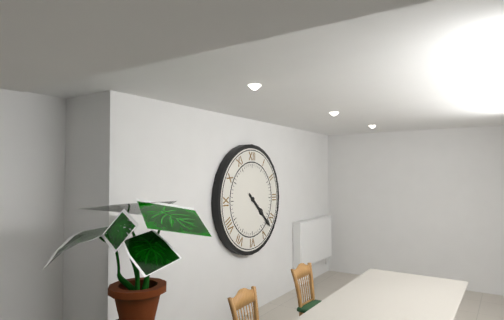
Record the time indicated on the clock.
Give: 4:22
